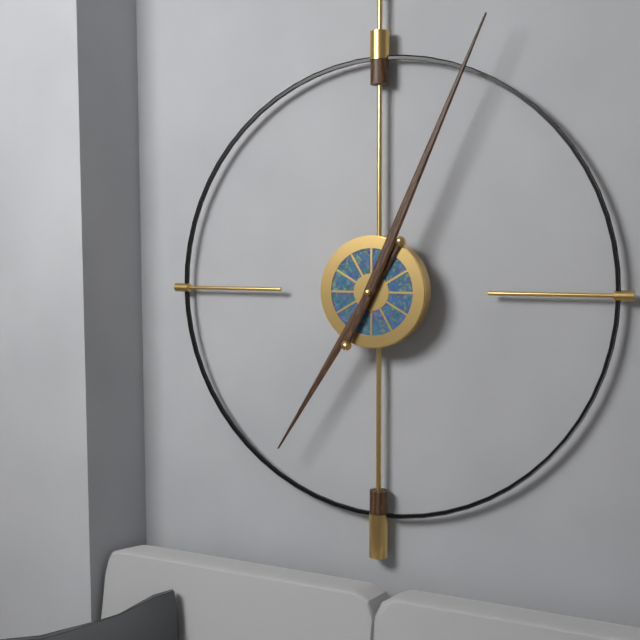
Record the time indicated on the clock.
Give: 7:04
